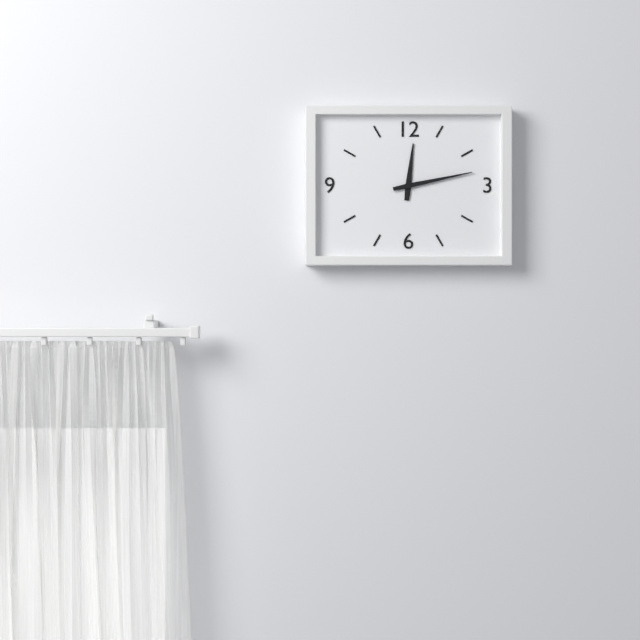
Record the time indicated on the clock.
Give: 12:13
